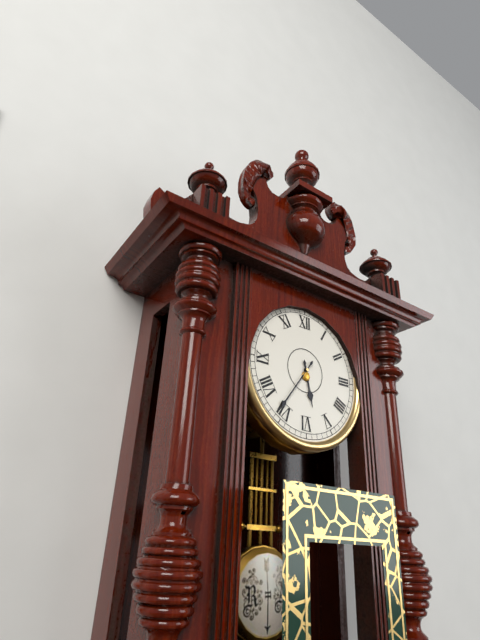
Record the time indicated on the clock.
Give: 5:36
